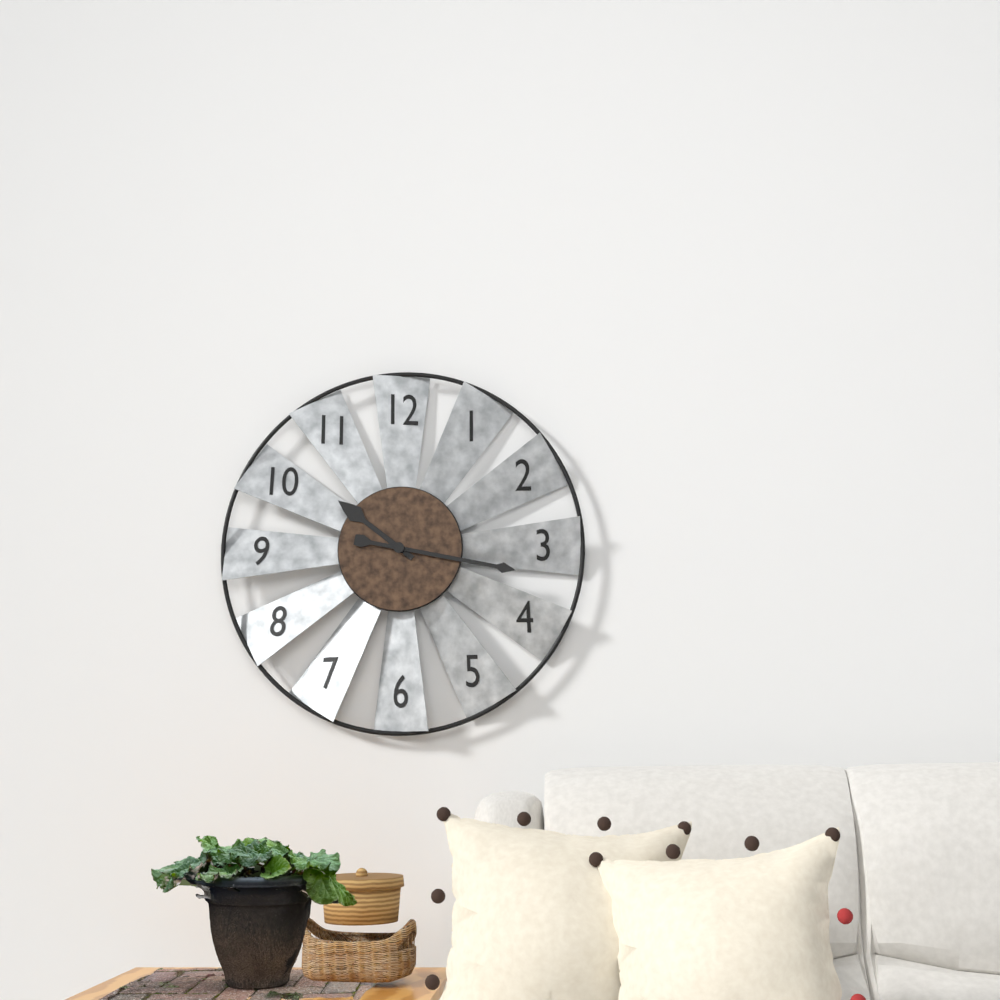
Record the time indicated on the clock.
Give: 10:17
